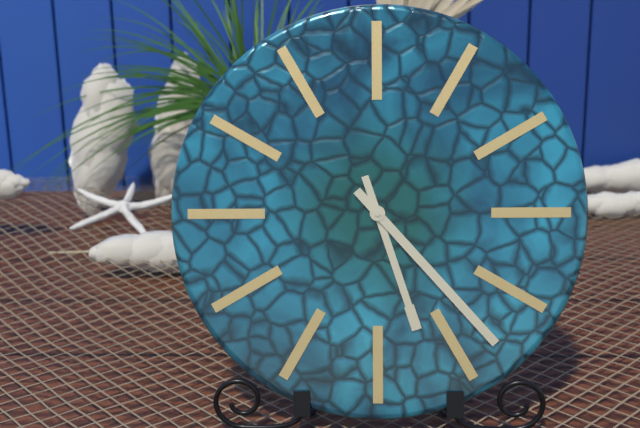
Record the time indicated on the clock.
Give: 5:23
